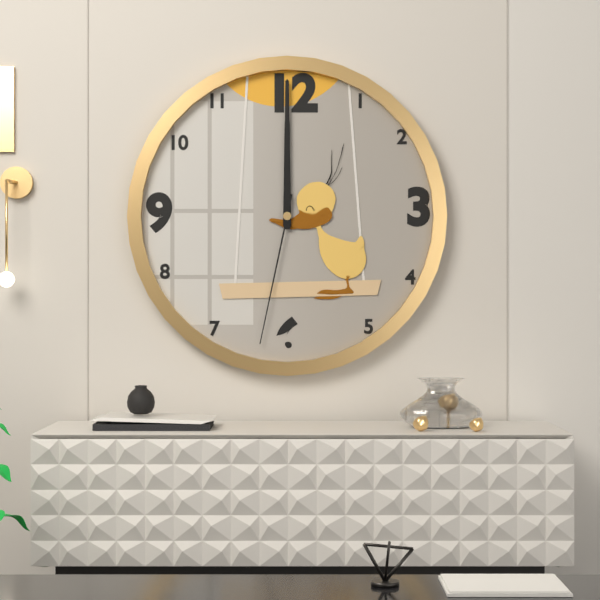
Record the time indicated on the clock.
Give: 12:00:32
